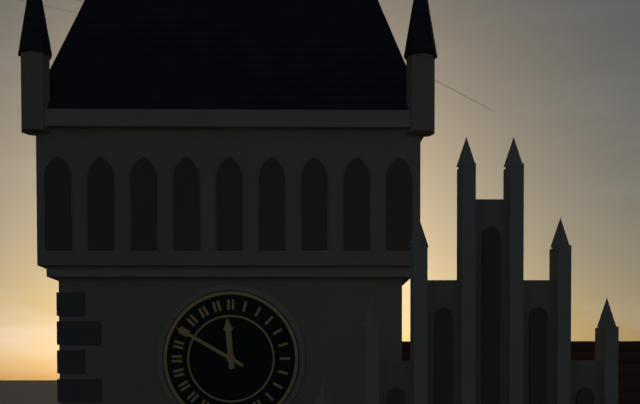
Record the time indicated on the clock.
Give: 11:50
